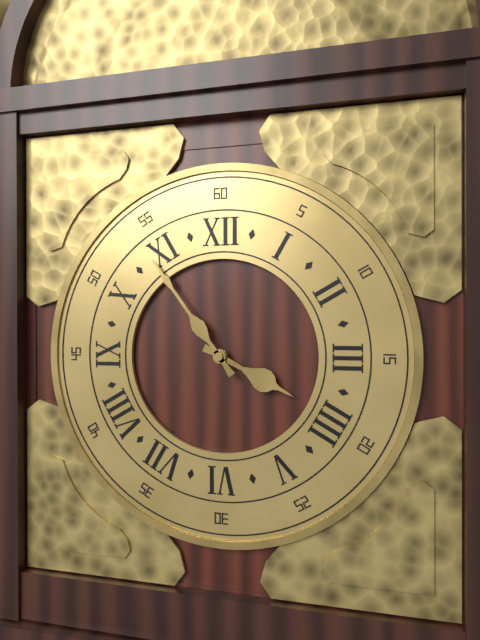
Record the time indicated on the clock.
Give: 3:54
